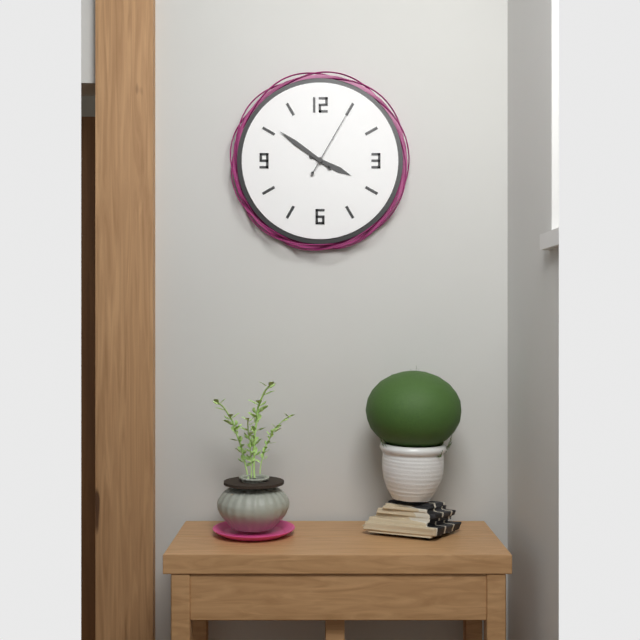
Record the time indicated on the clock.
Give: 3:51:05
